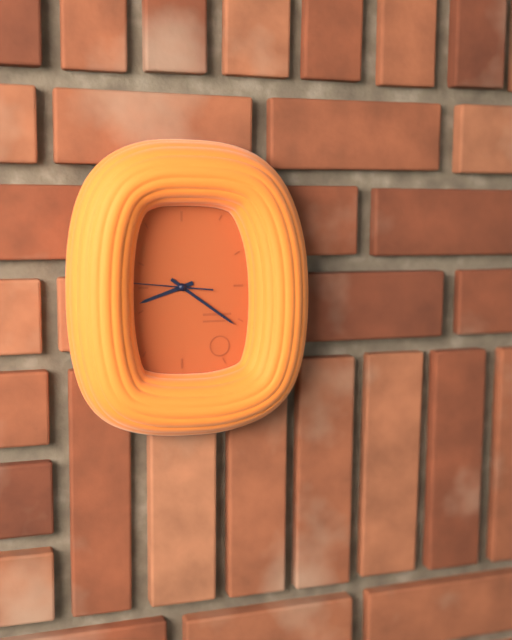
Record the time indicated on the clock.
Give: 8:21
